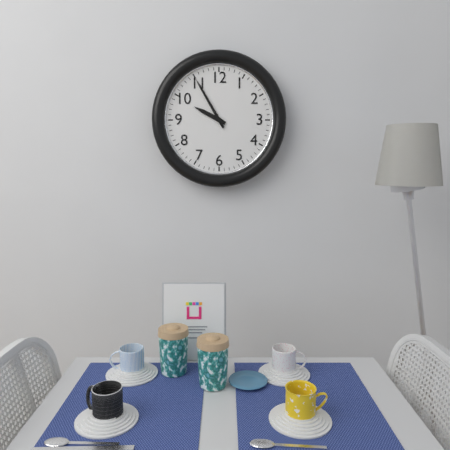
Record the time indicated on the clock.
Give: 9:55
